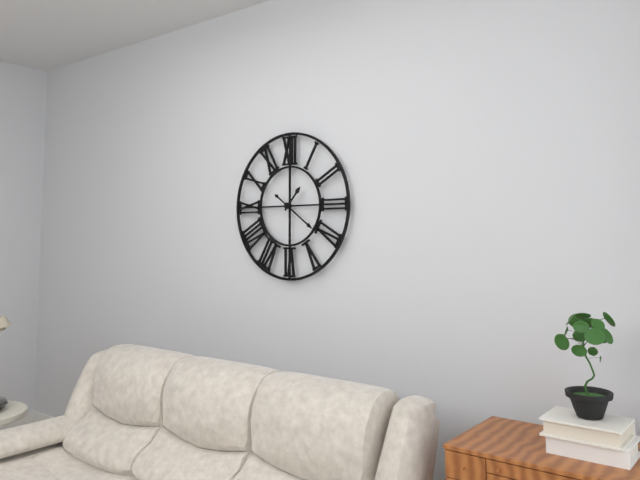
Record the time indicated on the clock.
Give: 1:21
